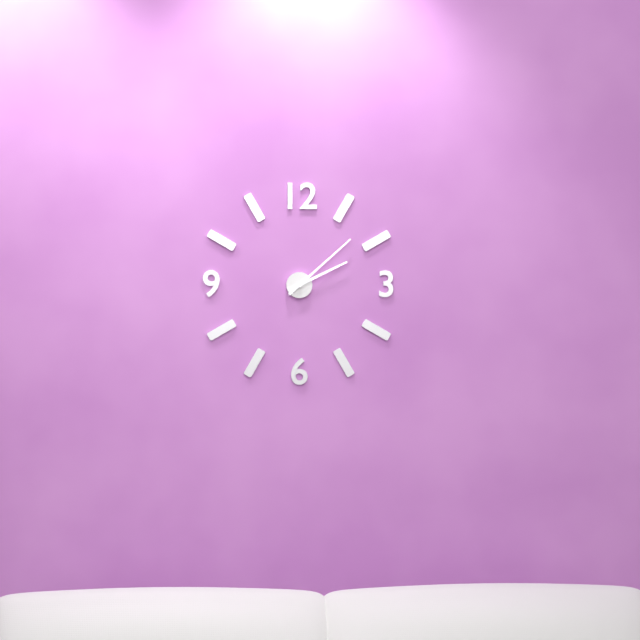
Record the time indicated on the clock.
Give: 2:08
